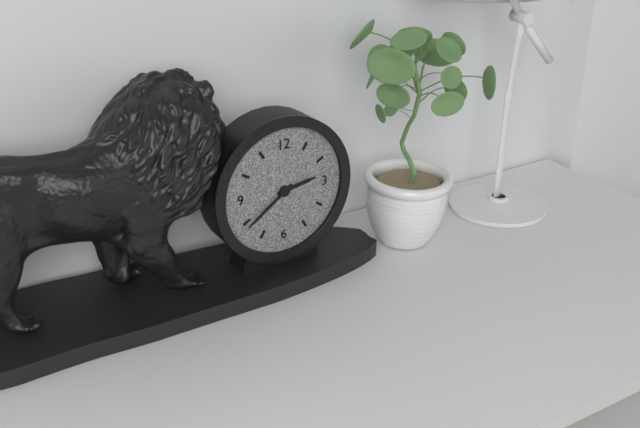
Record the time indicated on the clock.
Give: 2:39
